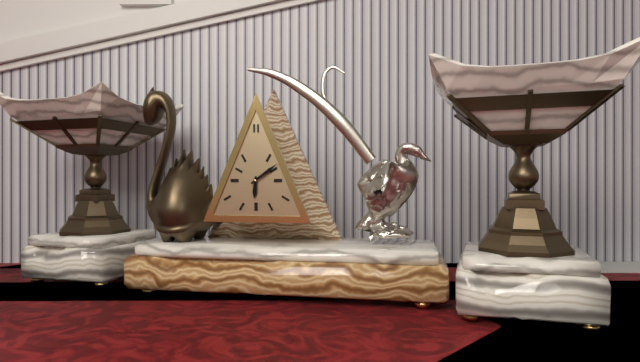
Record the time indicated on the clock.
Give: 6:09
